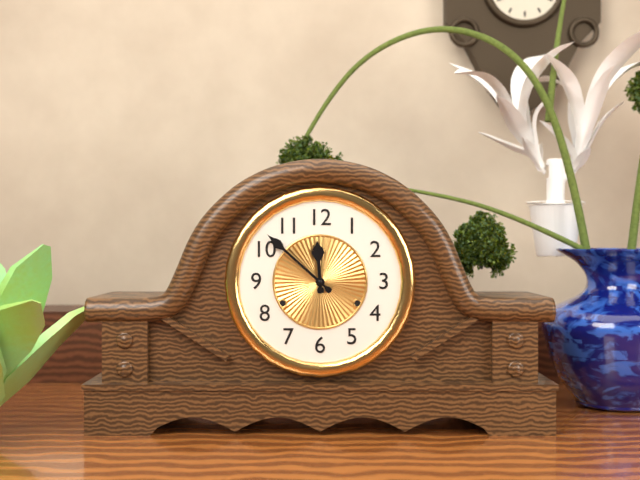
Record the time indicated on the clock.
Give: 11:52
